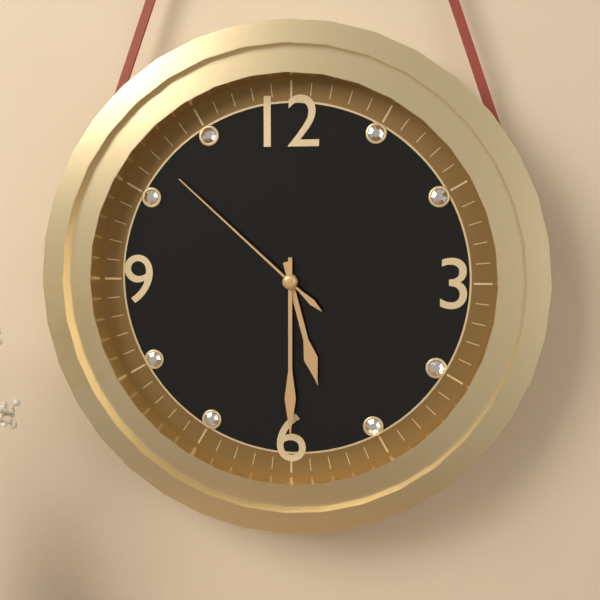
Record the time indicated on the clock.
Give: 5:30:52
